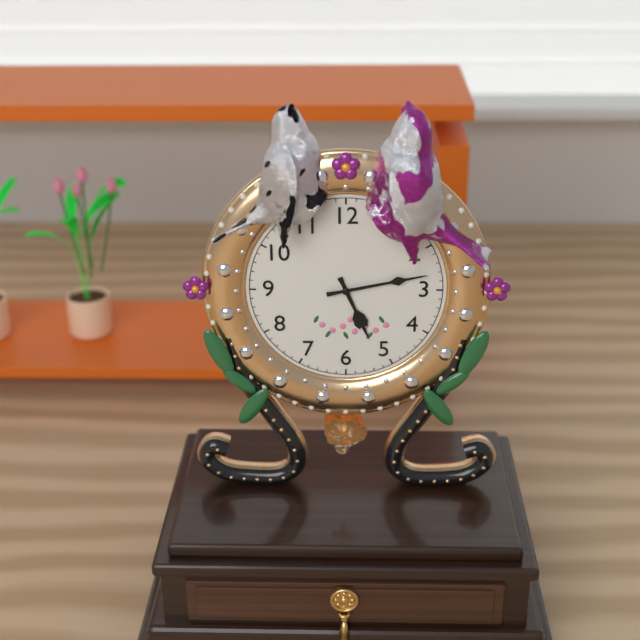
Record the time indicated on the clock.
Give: 5:13
